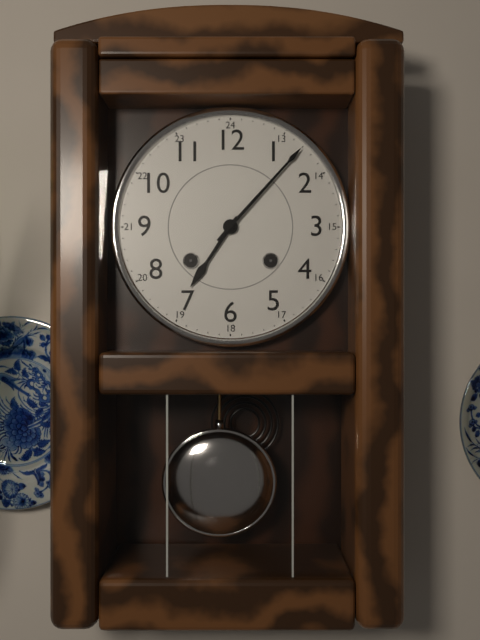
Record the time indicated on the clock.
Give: 7:07
